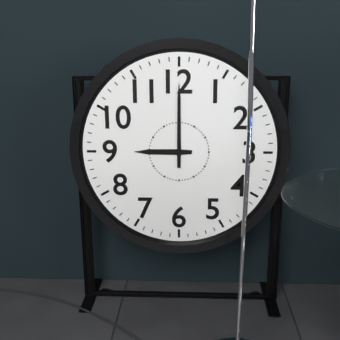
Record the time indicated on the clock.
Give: 9:00
